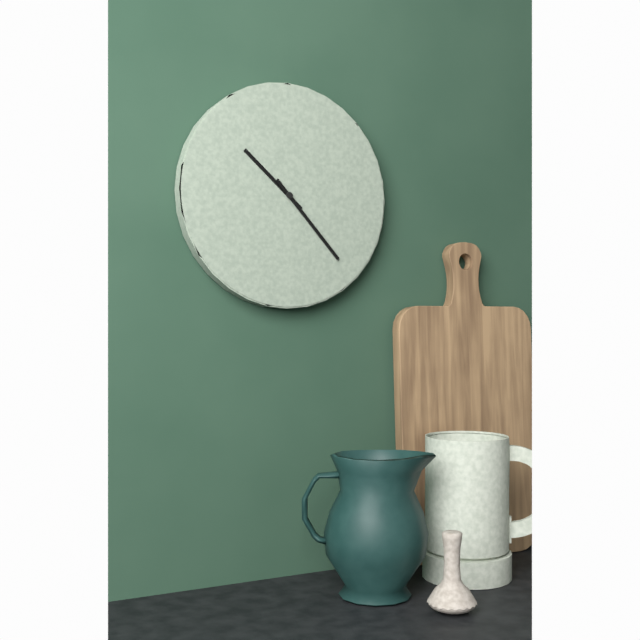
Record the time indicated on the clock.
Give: 10:23
